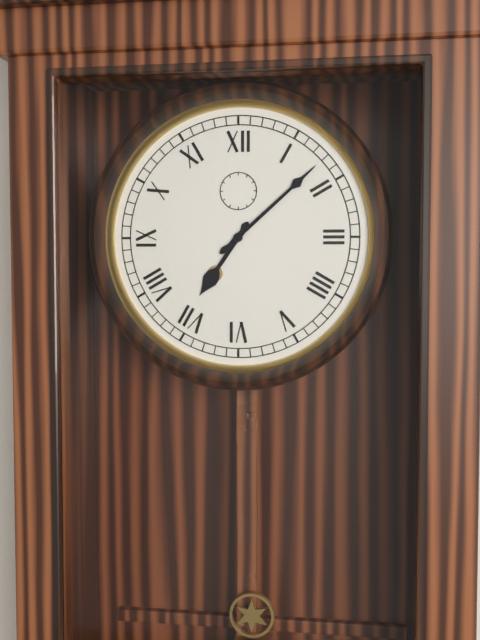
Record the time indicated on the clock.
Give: 7:08
